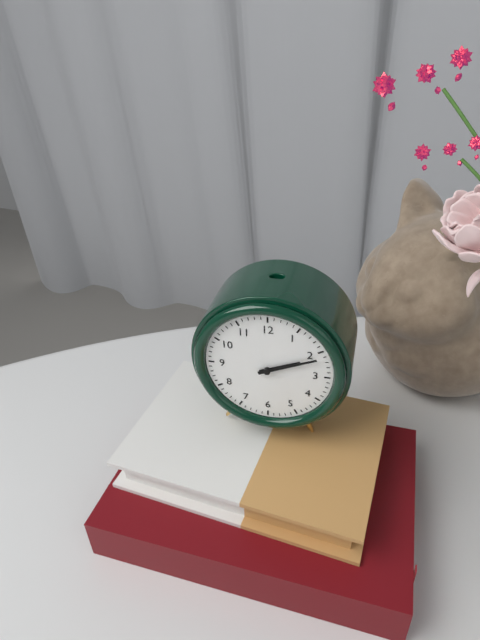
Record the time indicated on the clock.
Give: 2:11
